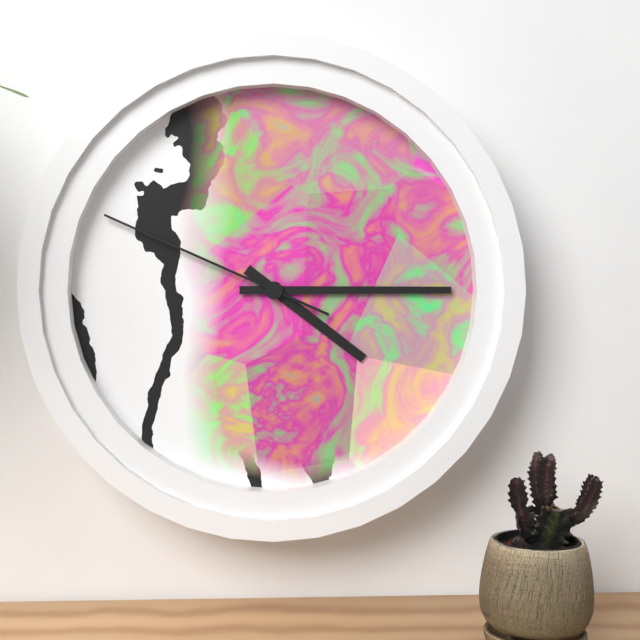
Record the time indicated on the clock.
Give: 4:15:49
